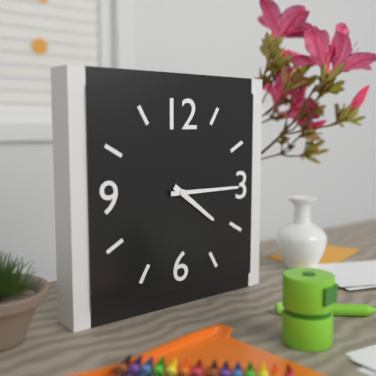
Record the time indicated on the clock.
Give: 4:15
